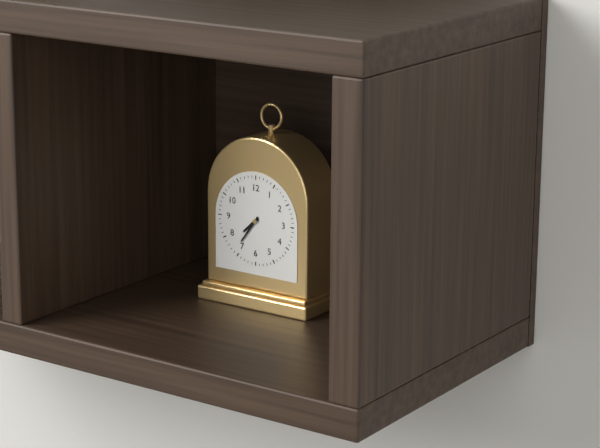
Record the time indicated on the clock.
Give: 7:36
